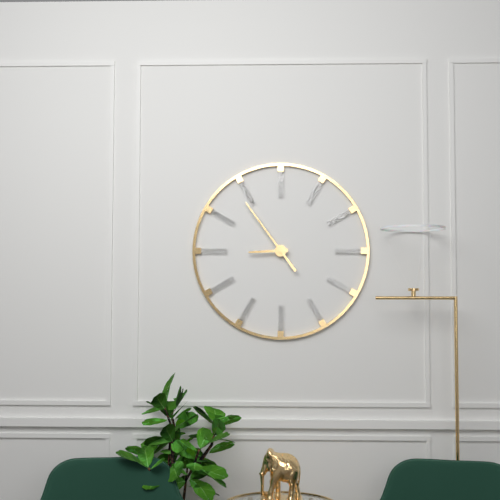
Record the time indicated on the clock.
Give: 8:54
